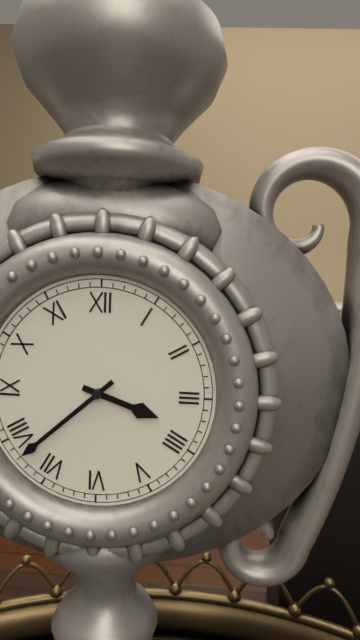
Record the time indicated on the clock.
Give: 3:38
